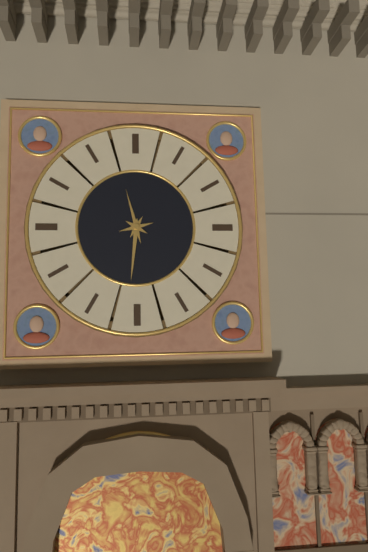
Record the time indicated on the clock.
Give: 11:31
